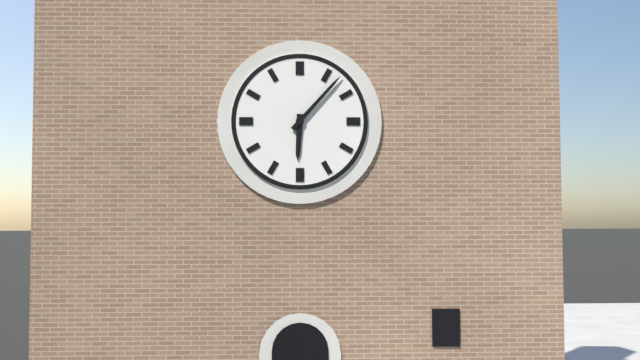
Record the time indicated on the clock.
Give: 6:07
